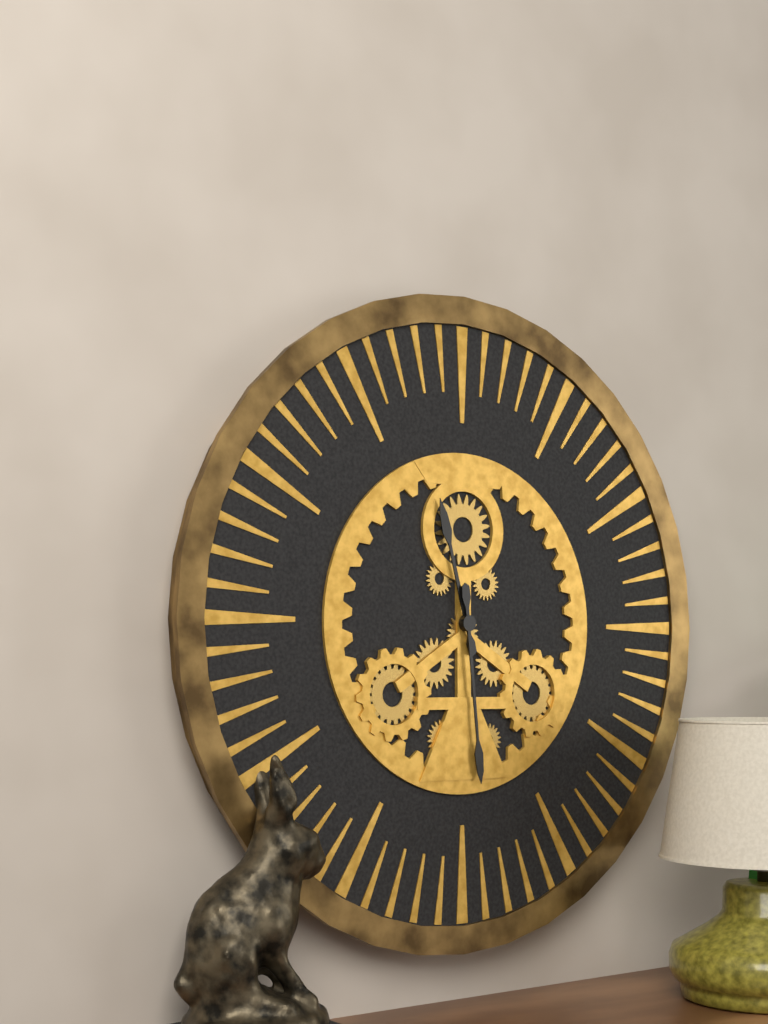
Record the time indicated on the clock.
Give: 11:29
